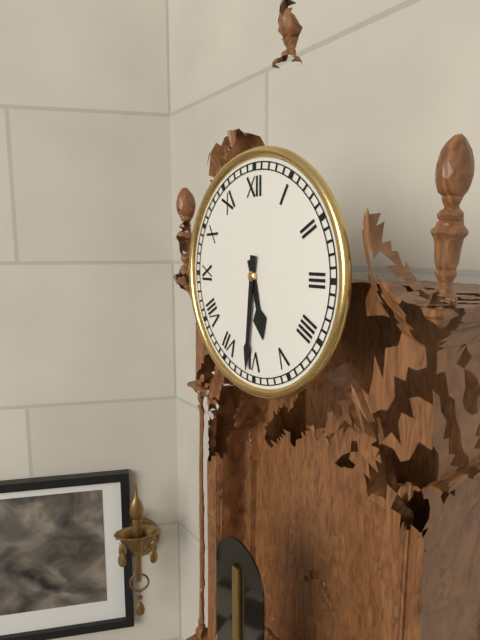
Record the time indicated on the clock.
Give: 5:31
